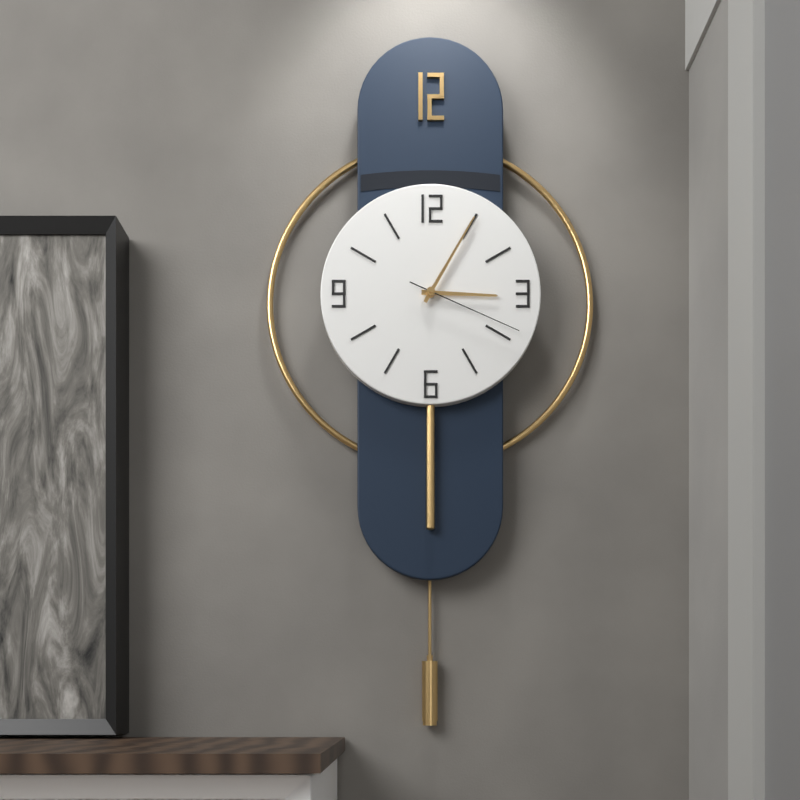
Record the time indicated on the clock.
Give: 3:05:19
